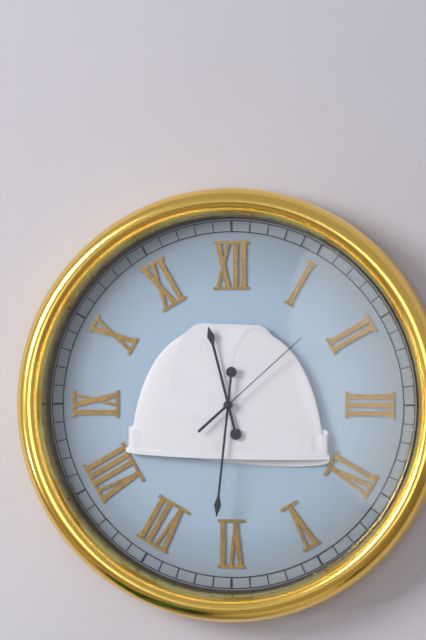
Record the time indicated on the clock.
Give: 11:31:08
